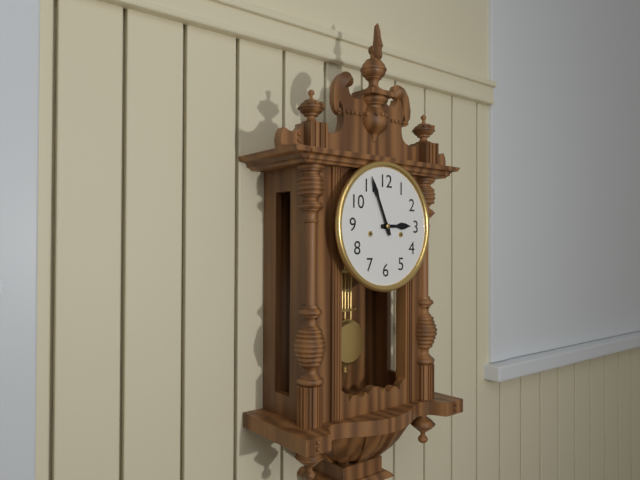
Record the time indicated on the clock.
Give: 2:56
